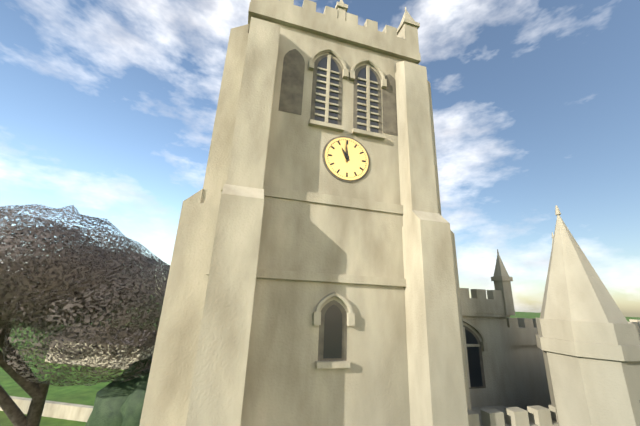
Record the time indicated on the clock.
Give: 10:59
